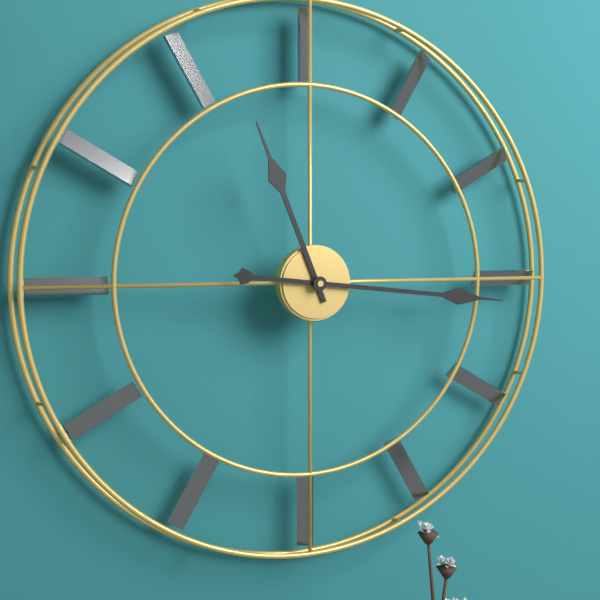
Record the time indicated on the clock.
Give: 11:16
